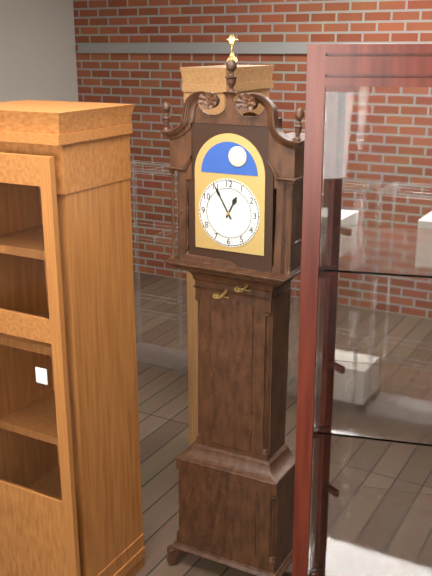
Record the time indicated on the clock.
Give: 12:55
